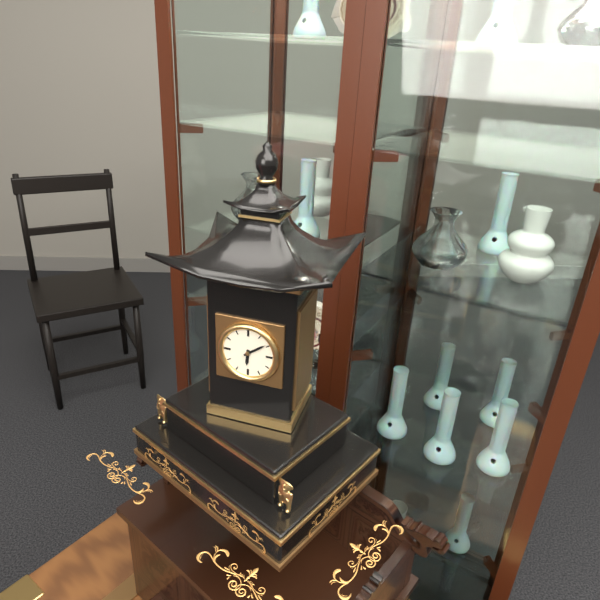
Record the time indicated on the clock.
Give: 6:09
